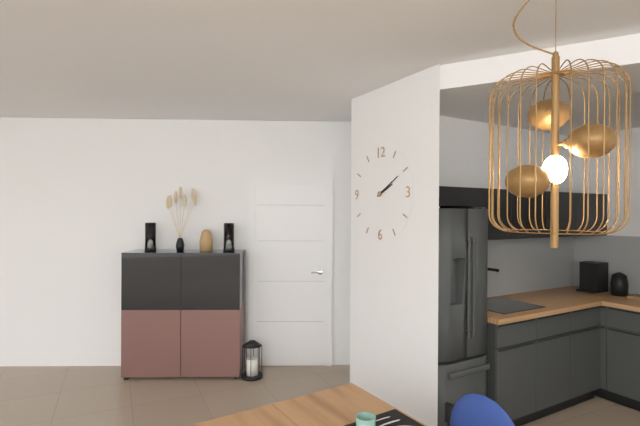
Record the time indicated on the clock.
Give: 2:10
